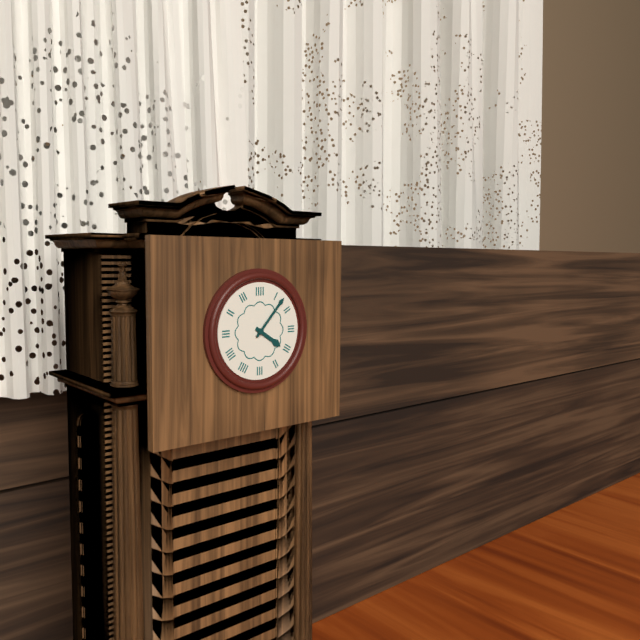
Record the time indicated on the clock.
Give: 4:07
